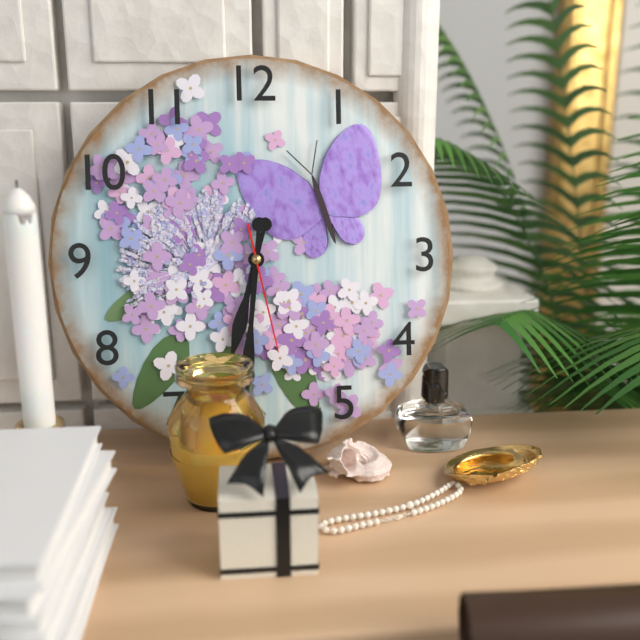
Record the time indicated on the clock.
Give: 6:31:28
